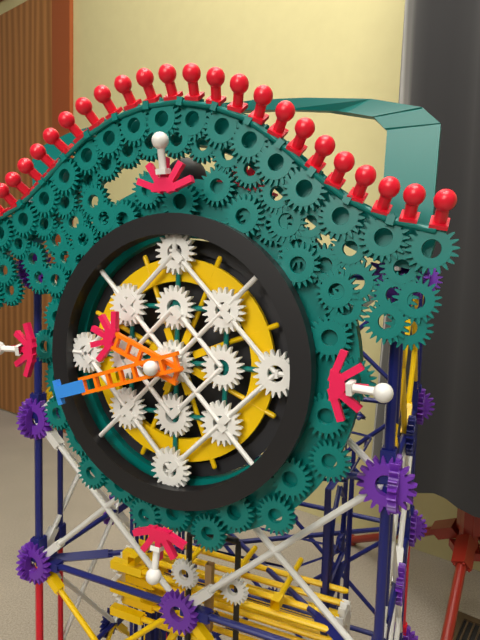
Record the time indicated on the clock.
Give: 9:42
